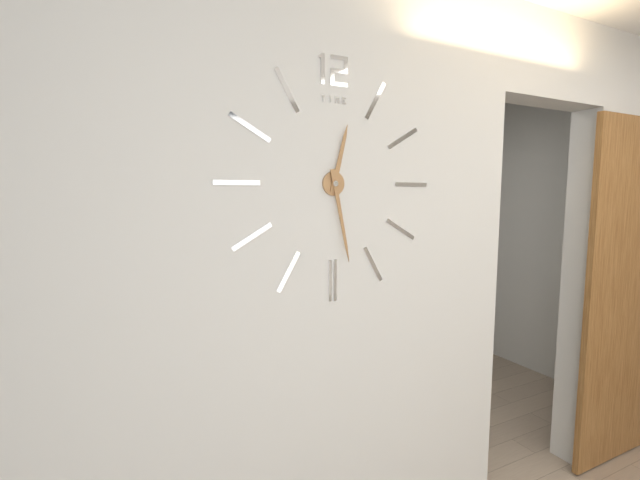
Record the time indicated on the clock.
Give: 12:28
